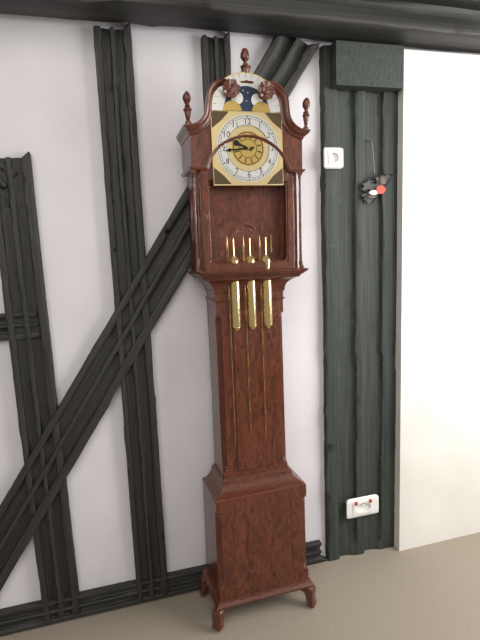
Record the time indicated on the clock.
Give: 9:44
